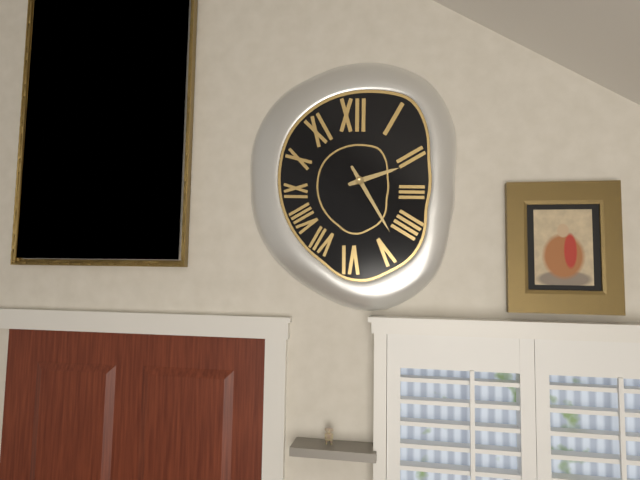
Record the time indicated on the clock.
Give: 2:25
